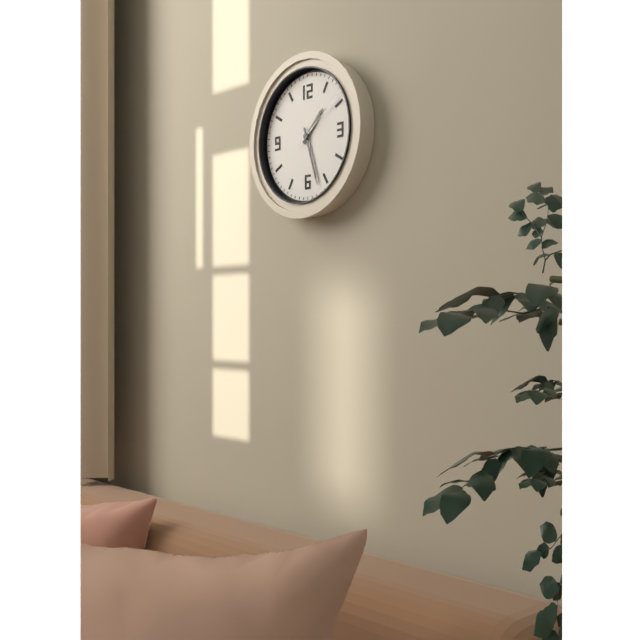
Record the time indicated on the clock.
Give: 1:27:09
